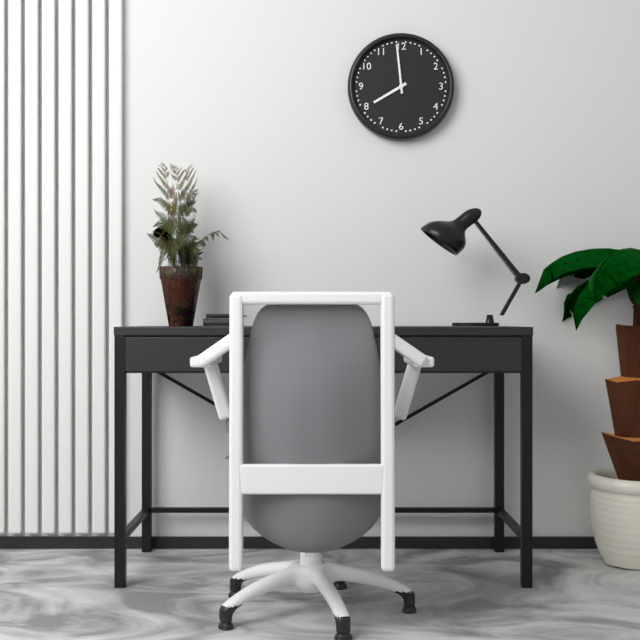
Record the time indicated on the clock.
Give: 7:59
